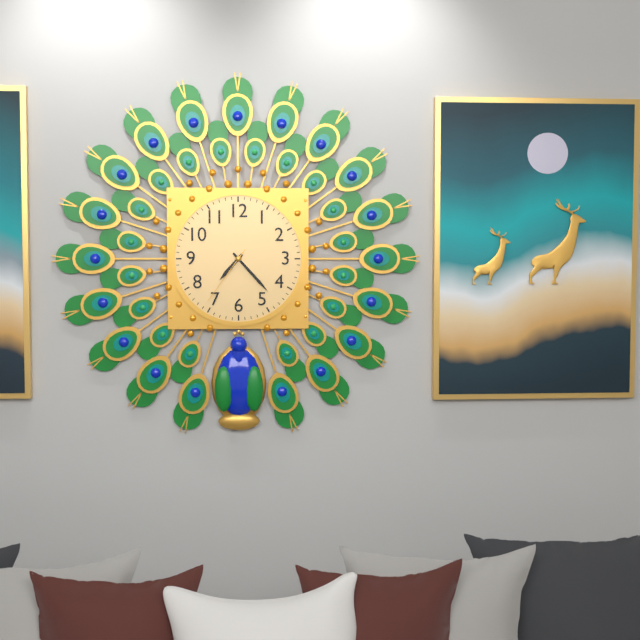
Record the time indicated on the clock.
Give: 7:23:36
